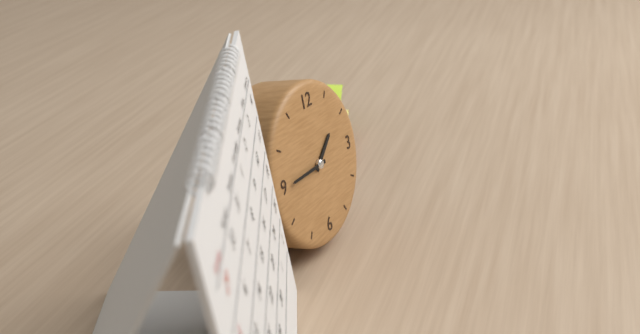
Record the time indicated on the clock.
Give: 1:45
